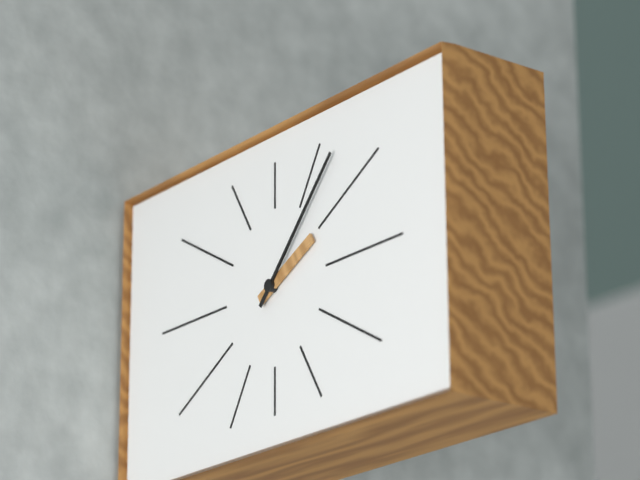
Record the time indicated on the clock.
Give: 2:07
